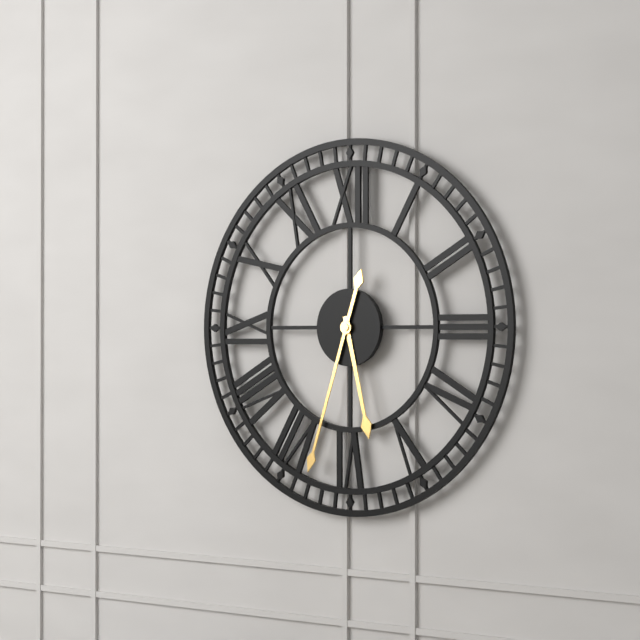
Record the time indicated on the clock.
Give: 5:33
